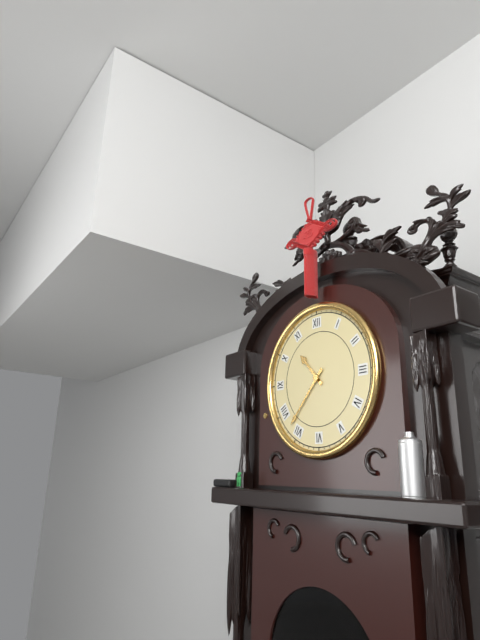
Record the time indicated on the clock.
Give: 10:37
